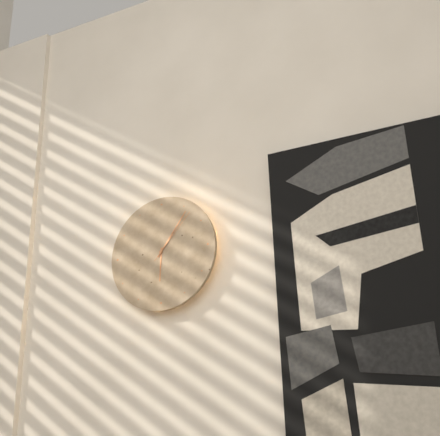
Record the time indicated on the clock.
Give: 6:06:07
